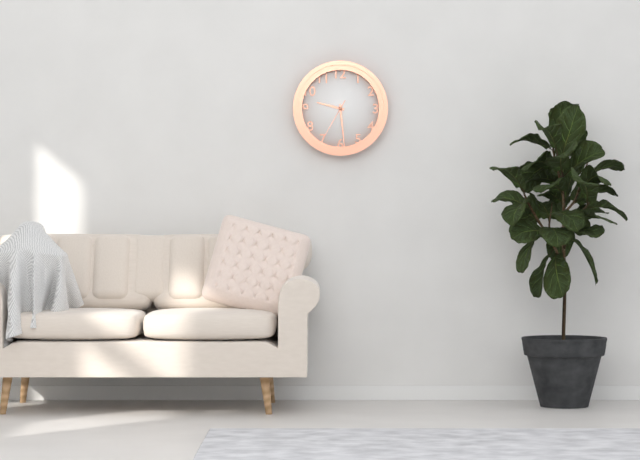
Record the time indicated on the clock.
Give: 9:29
